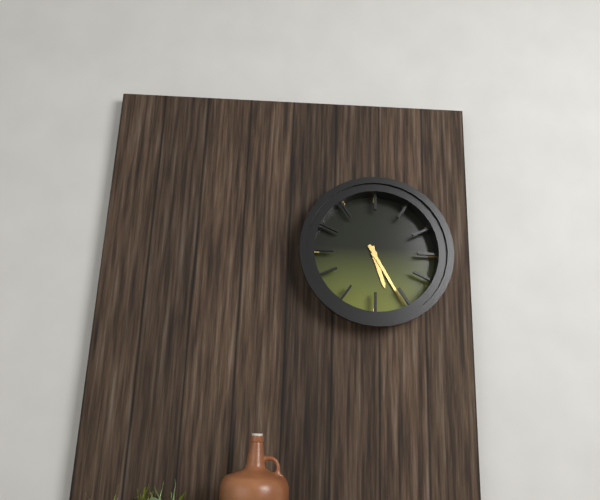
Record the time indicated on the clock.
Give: 5:25
